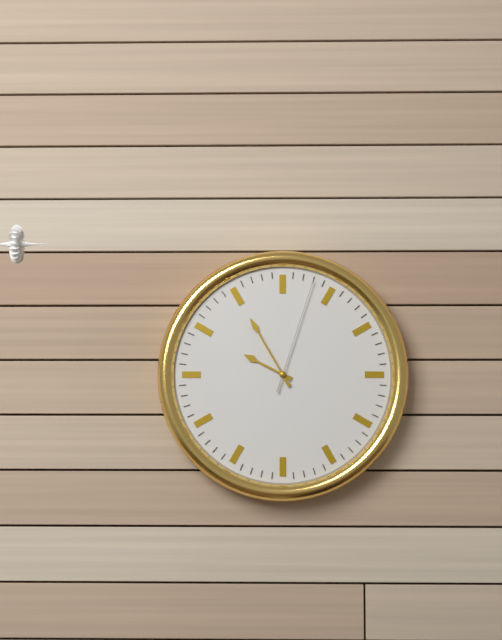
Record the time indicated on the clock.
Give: 9:55:03
